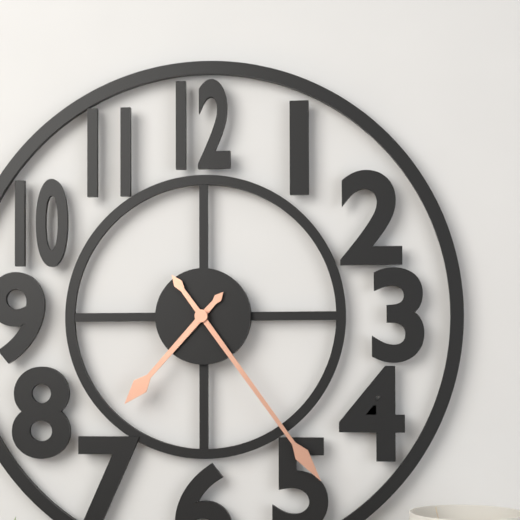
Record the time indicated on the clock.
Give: 7:24
